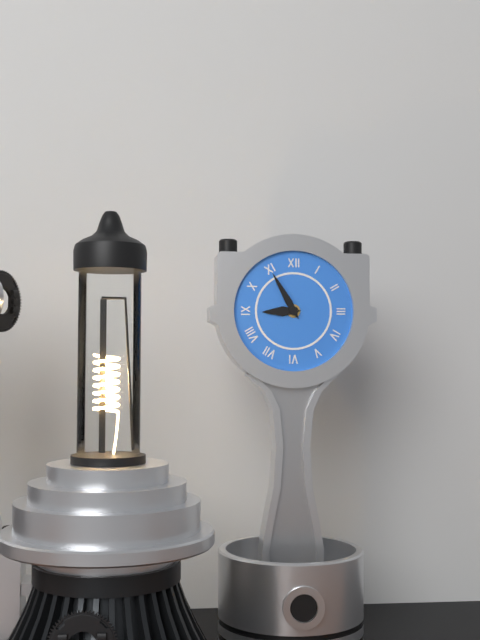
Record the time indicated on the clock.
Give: 8:55
